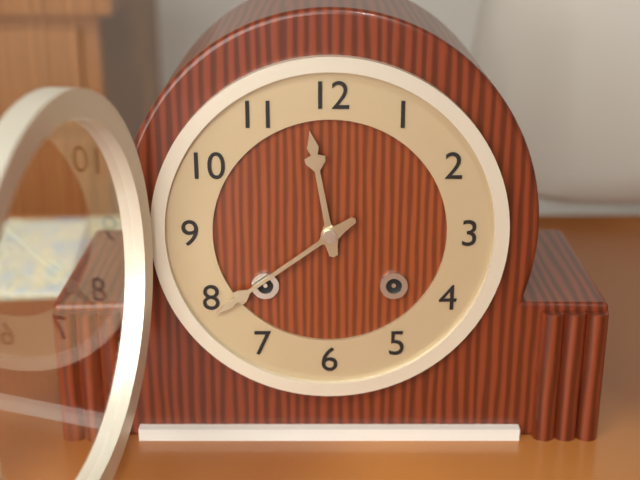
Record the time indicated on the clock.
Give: 11:39
